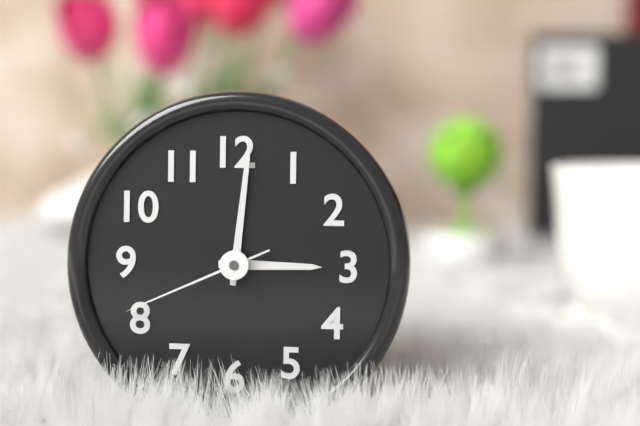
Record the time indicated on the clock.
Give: 3:01:41
